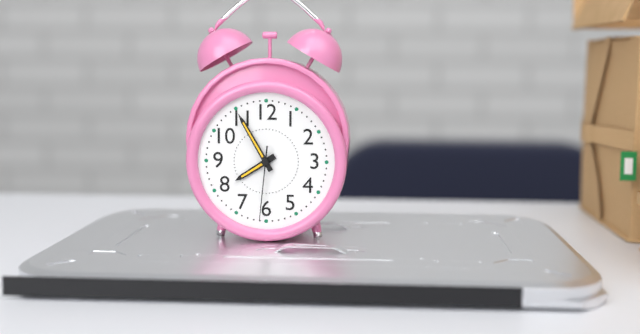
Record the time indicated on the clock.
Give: 7:55:31
